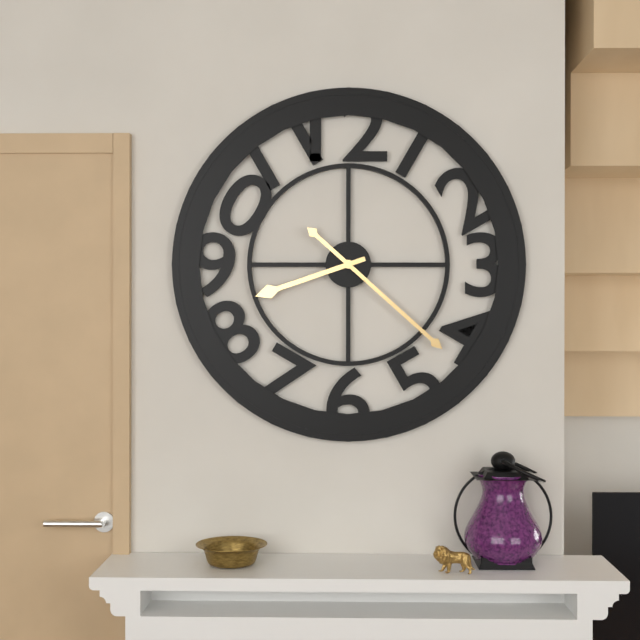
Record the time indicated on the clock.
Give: 8:22
